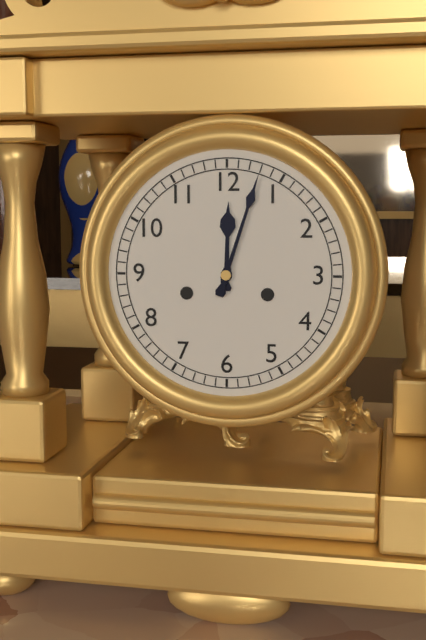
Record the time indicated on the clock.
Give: 12:03
